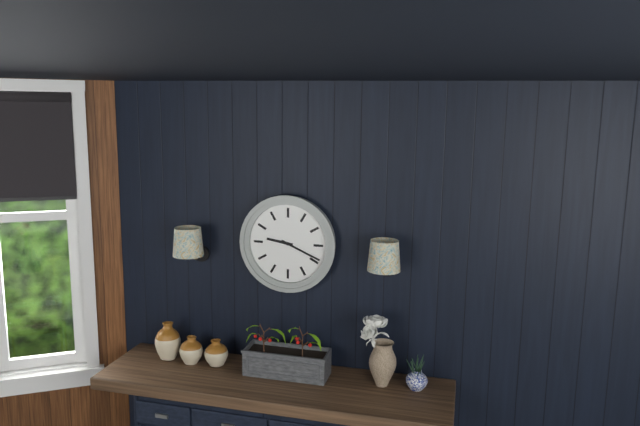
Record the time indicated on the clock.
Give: 9:19
